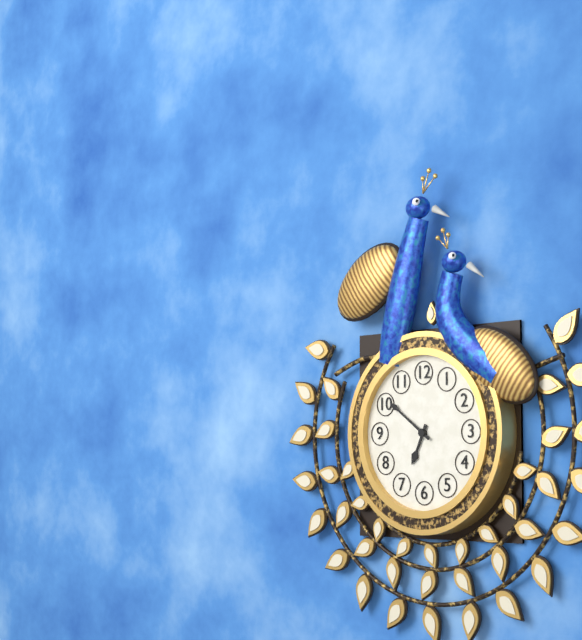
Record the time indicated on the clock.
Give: 6:51
